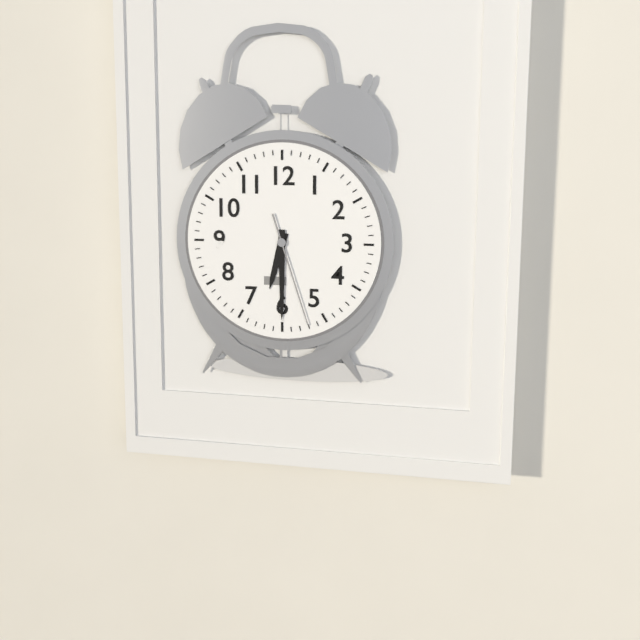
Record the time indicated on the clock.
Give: 6:30:27
